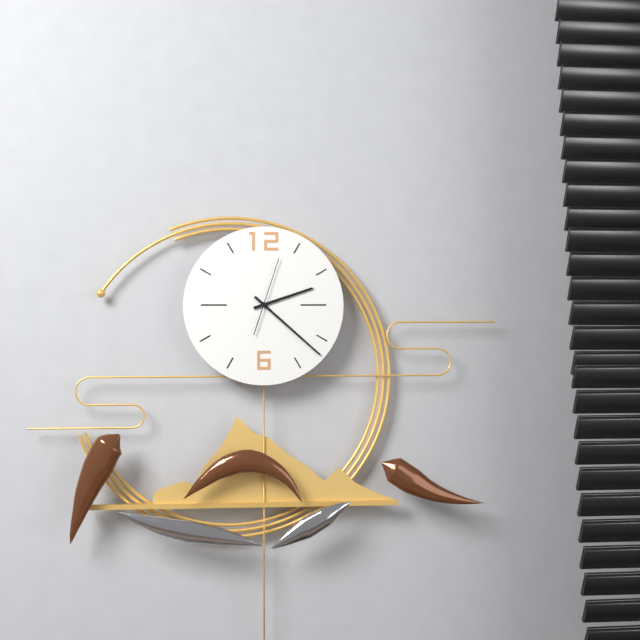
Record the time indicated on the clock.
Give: 2:22:03
